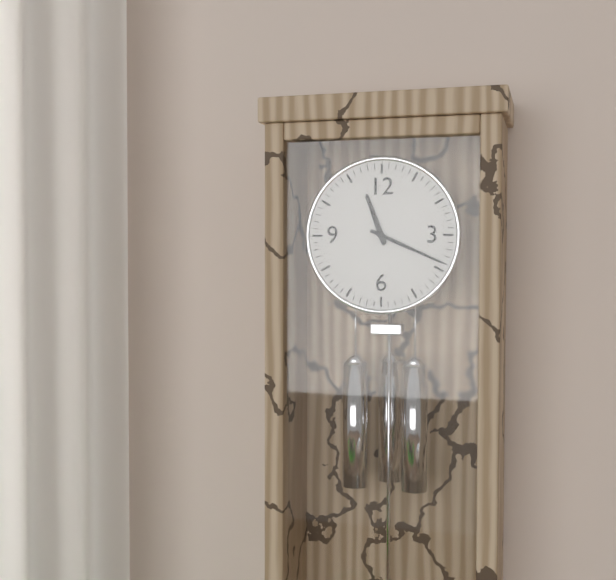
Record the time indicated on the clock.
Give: 11:19
